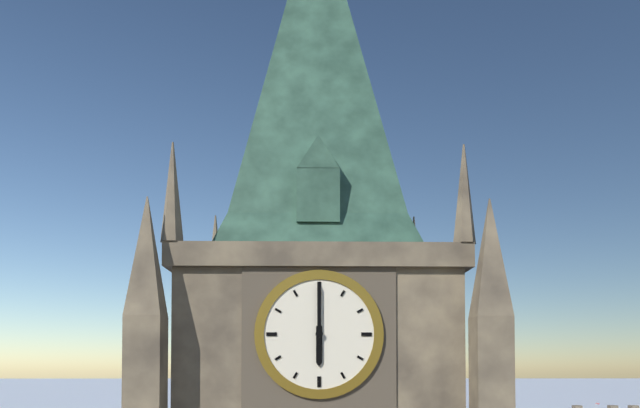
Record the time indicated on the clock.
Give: 6:00
